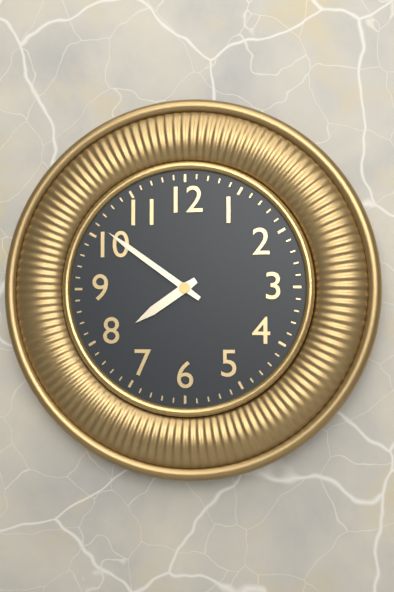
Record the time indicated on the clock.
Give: 7:51
